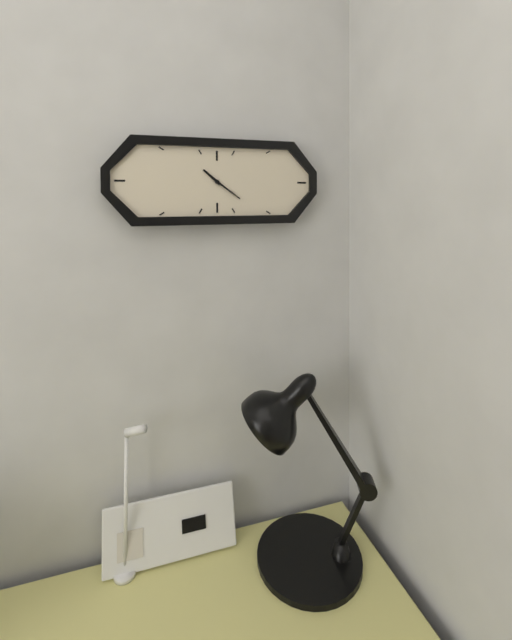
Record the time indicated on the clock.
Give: 10:21
